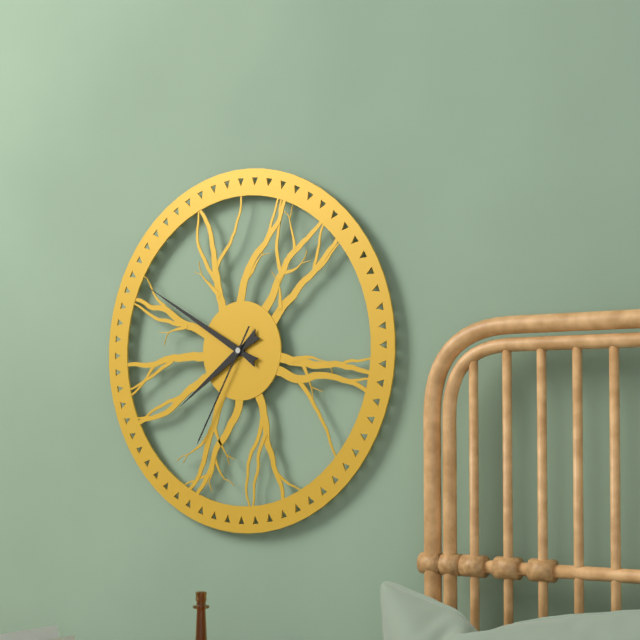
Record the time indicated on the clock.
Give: 7:50:35
